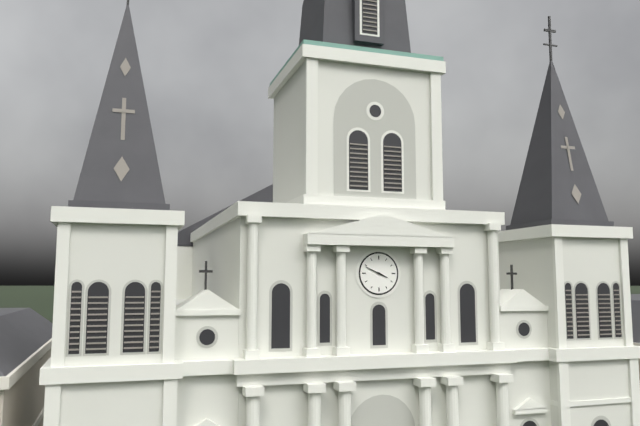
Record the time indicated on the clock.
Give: 3:49
